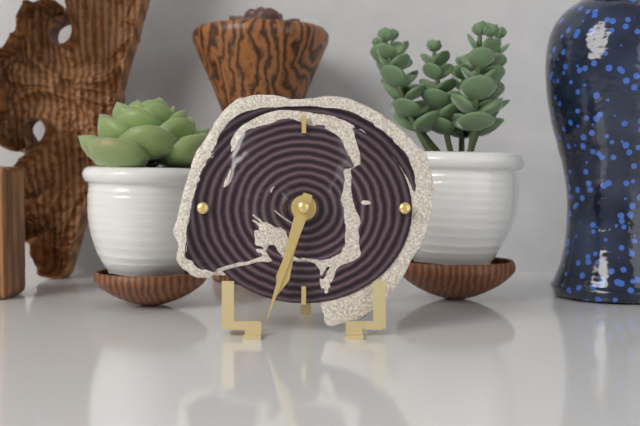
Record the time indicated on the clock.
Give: 6:33
